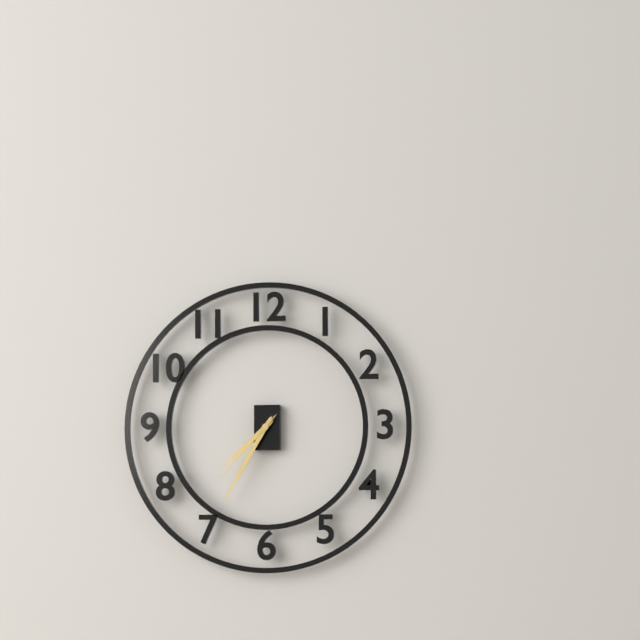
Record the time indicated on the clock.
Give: 7:35:37
